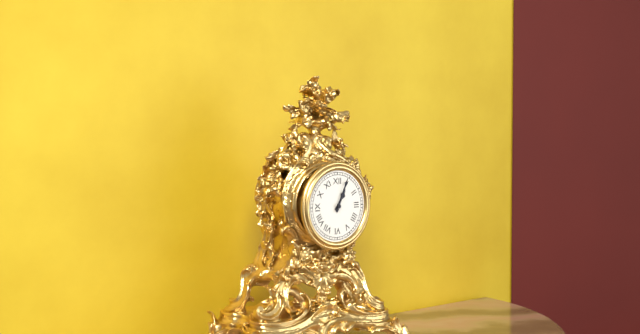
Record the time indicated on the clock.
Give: 1:04
